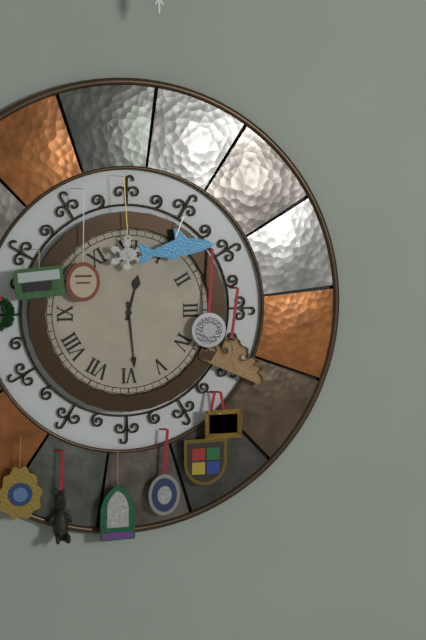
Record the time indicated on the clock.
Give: 12:29
